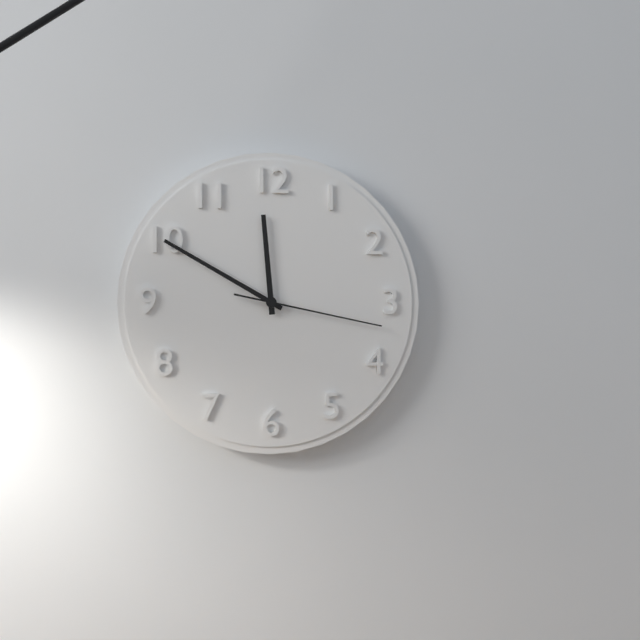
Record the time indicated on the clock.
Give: 11:50:17
